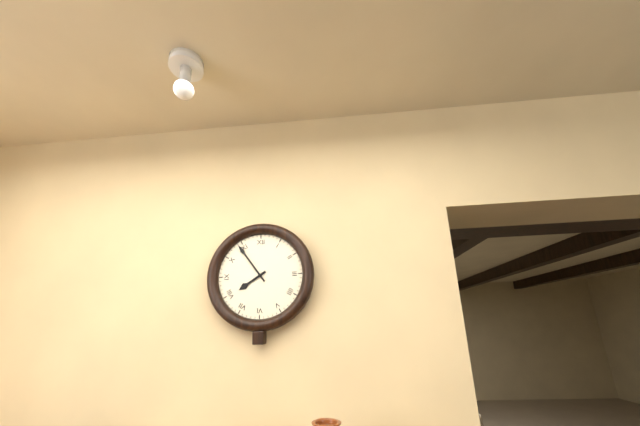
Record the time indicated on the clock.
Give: 7:54
